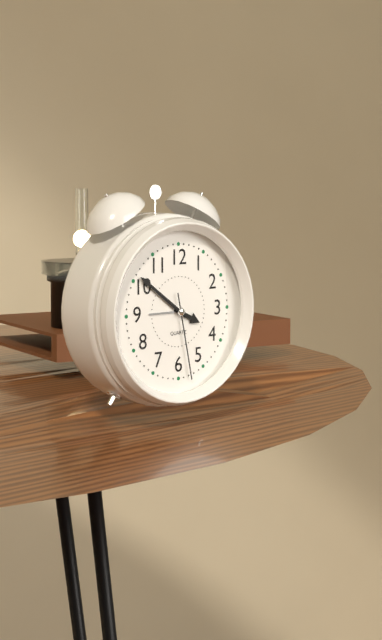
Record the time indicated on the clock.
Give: 3:51:28
